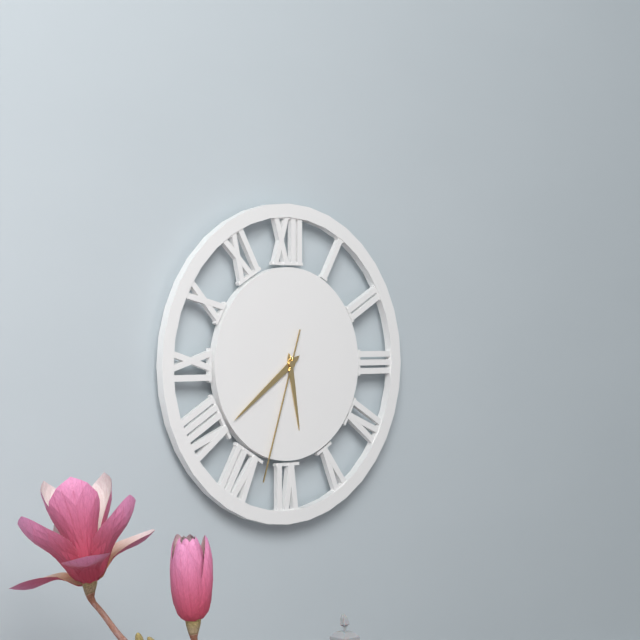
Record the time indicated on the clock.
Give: 5:39:33
